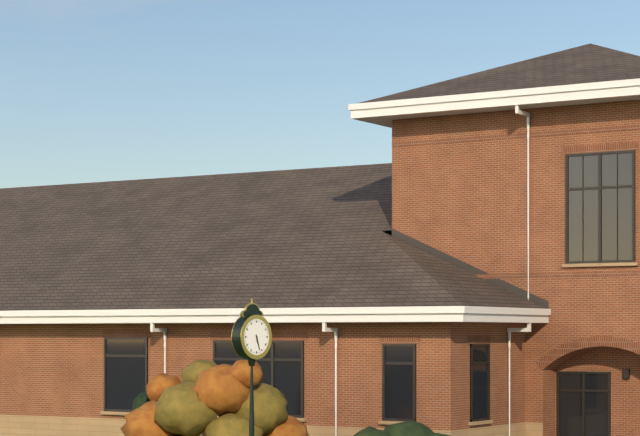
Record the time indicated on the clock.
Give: 5:27
